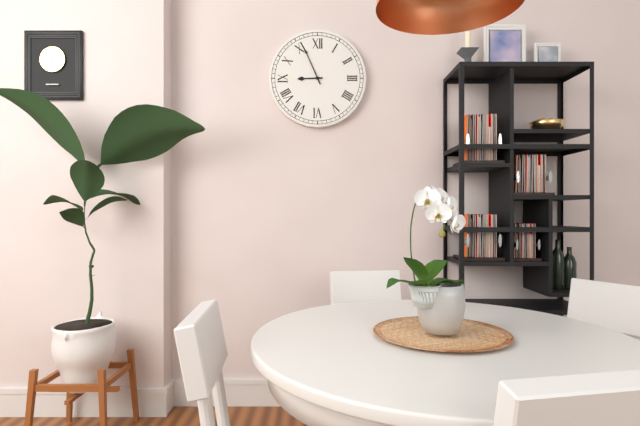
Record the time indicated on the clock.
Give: 8:56
